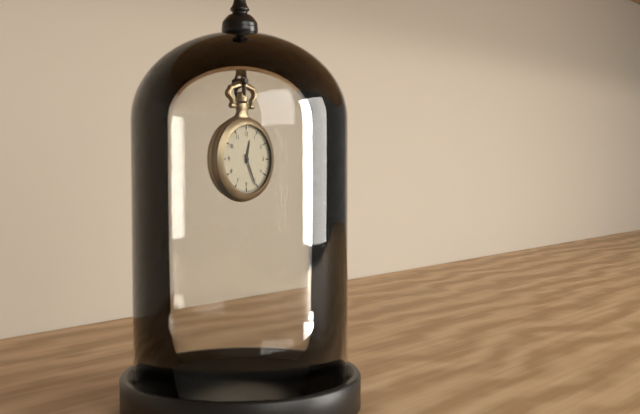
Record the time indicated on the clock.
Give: 12:26
